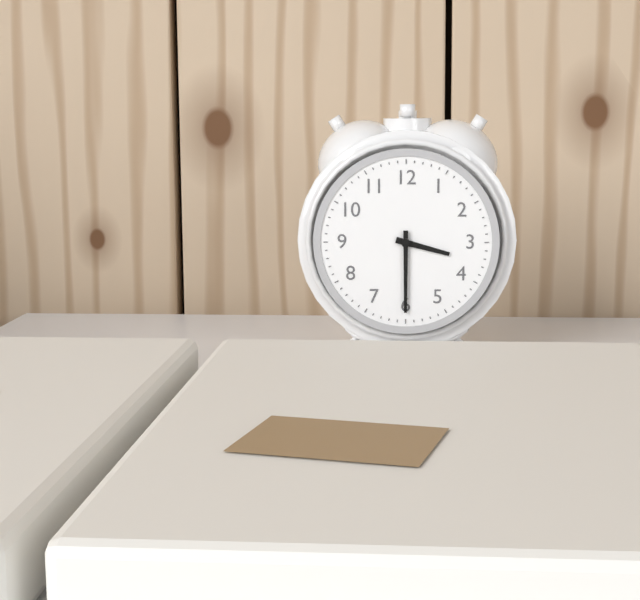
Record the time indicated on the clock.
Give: 3:30
